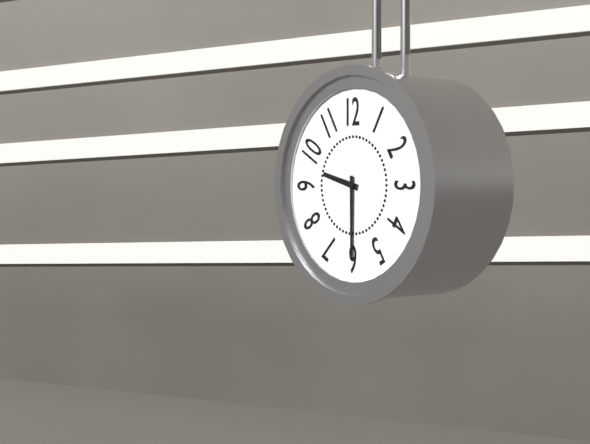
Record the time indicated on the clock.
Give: 9:30
